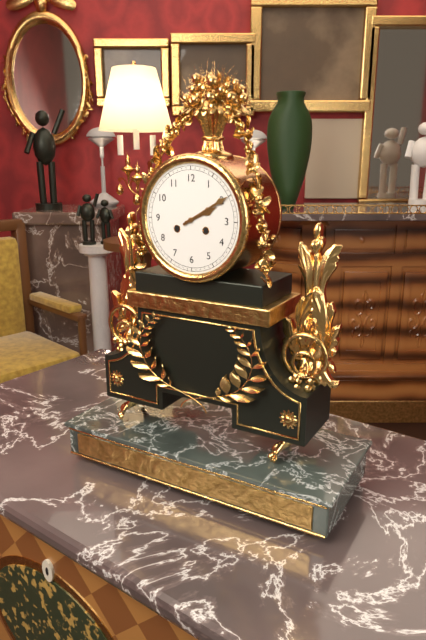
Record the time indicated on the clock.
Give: 2:10
